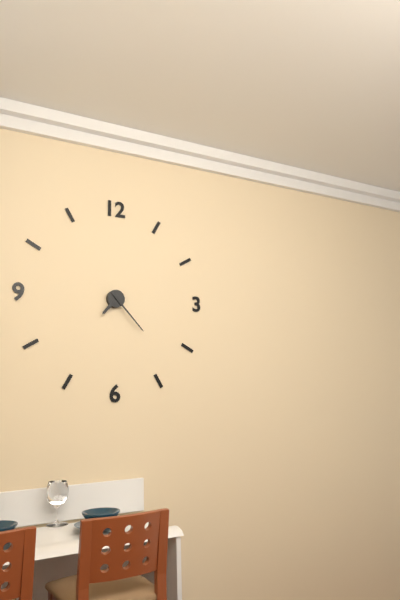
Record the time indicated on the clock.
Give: 7:23
